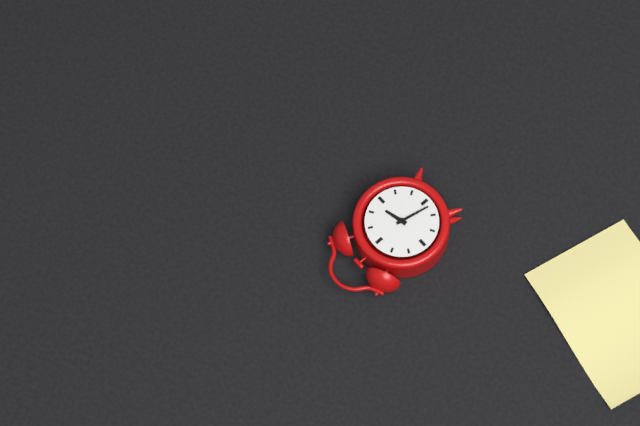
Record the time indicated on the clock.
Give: 2:32
